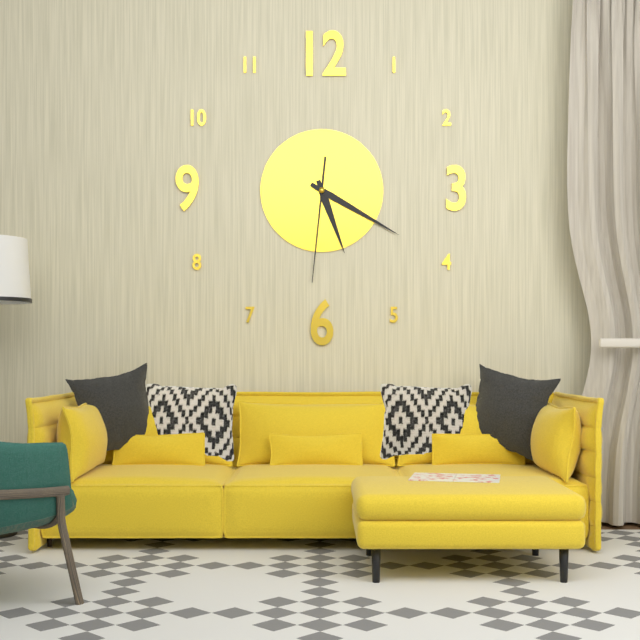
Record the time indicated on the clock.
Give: 5:20:31
